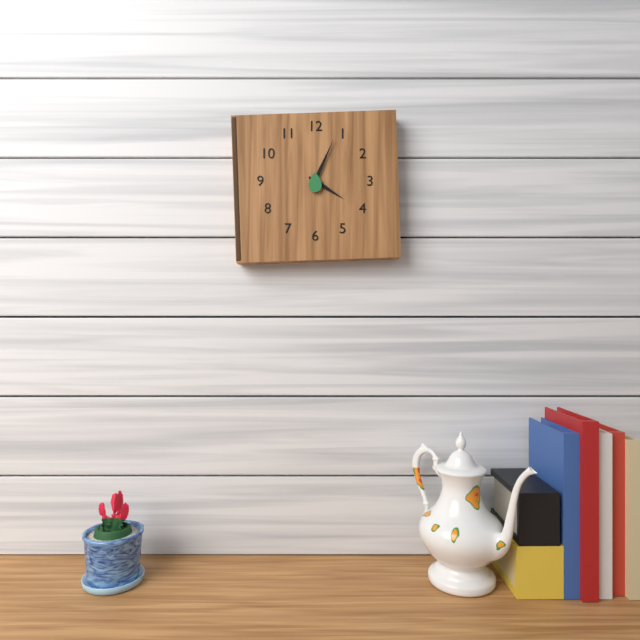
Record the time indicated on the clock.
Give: 4:04
